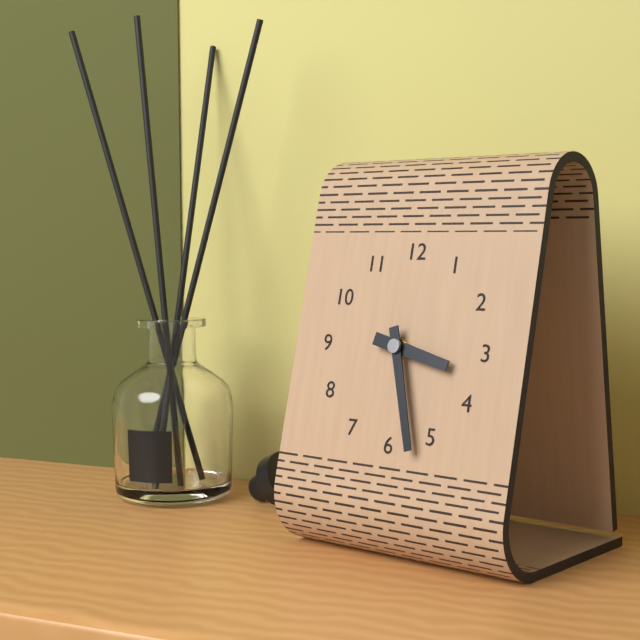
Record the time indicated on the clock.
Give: 3:27
